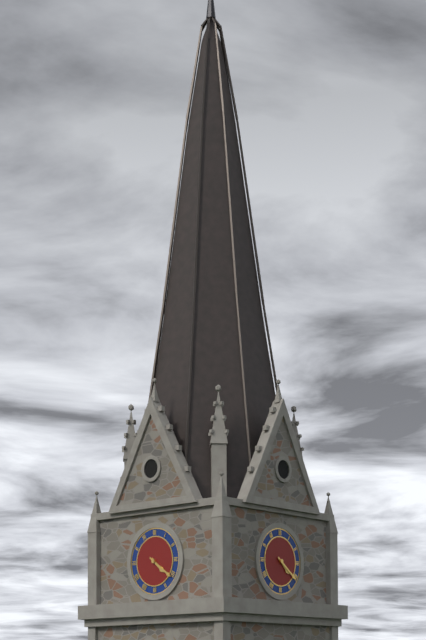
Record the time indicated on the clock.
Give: 4:21
